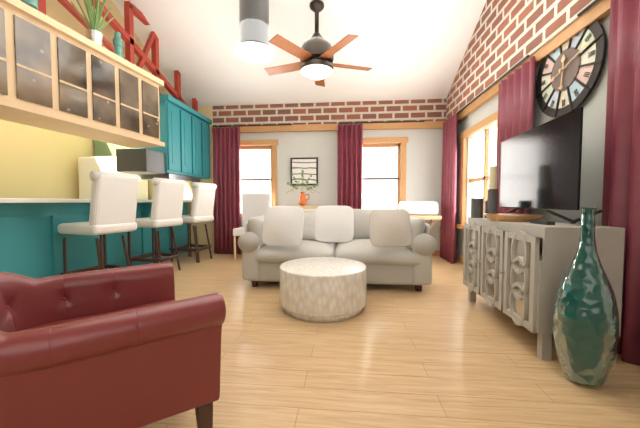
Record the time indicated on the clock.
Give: 6:12
